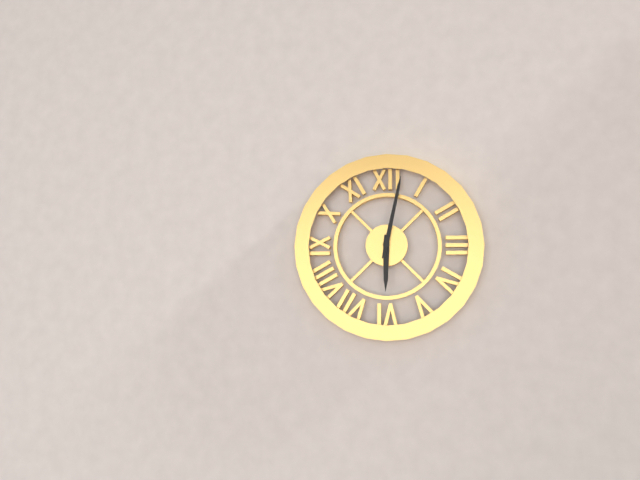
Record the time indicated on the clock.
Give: 6:02
